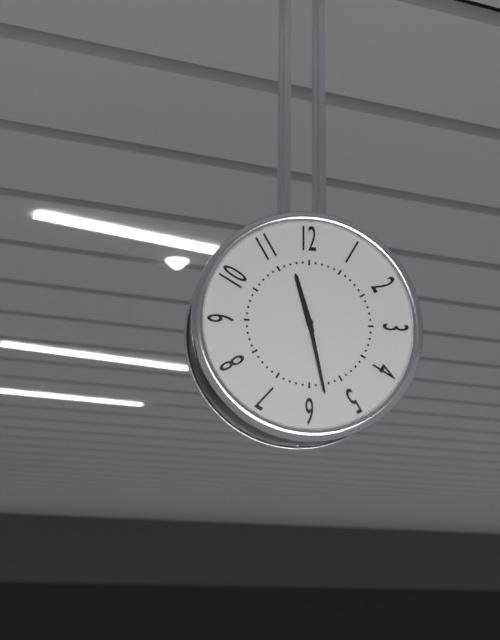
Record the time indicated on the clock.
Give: 11:28
